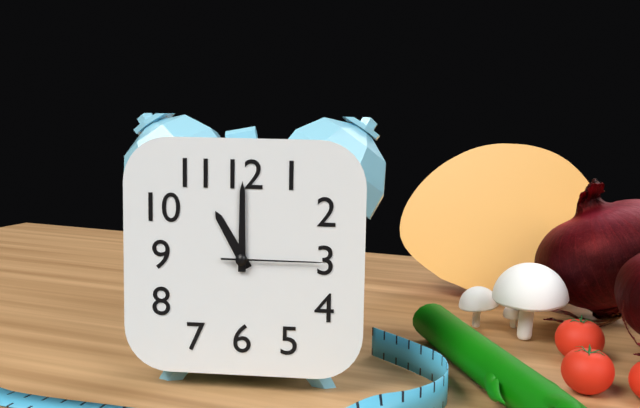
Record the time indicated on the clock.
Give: 11:00:15
